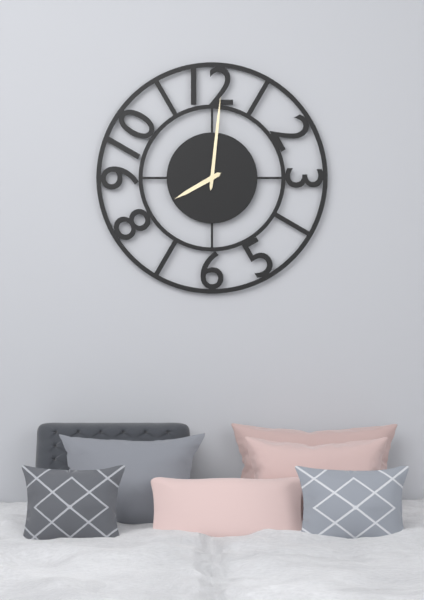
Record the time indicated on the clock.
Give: 8:01
